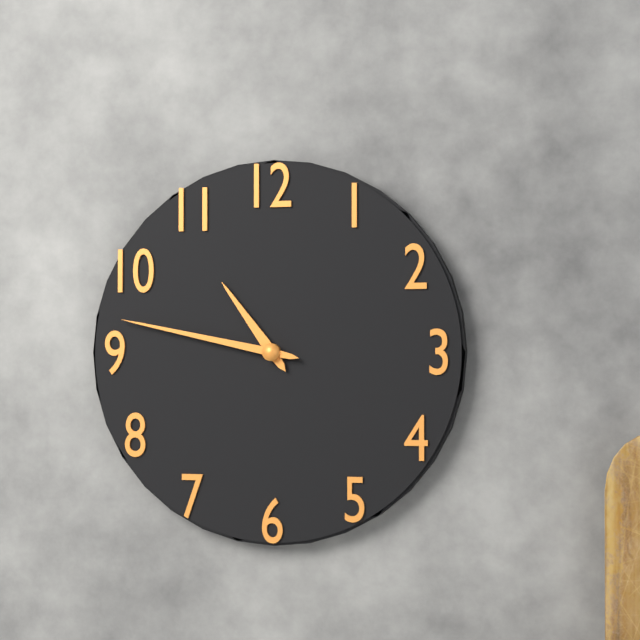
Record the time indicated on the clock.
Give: 10:47
